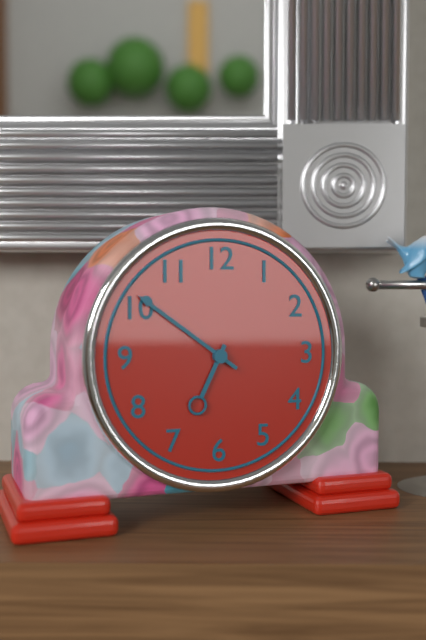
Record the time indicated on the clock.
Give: 6:51
